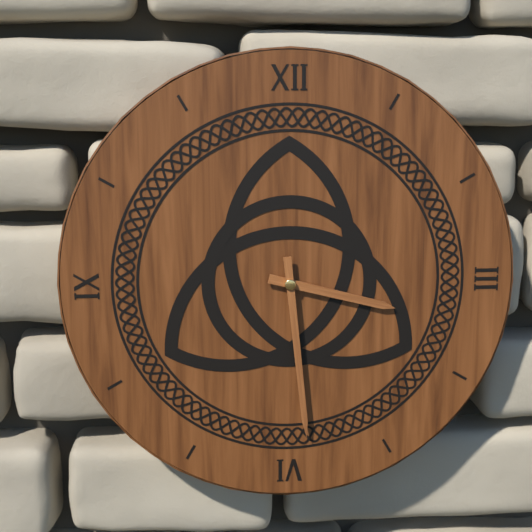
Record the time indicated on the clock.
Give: 3:29
